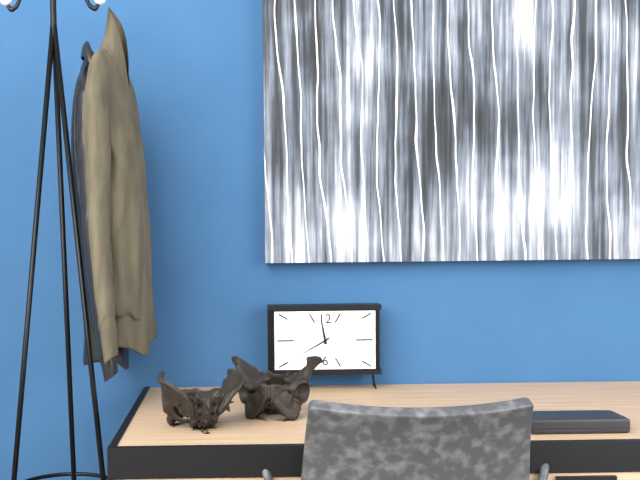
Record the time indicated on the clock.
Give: 11:40
